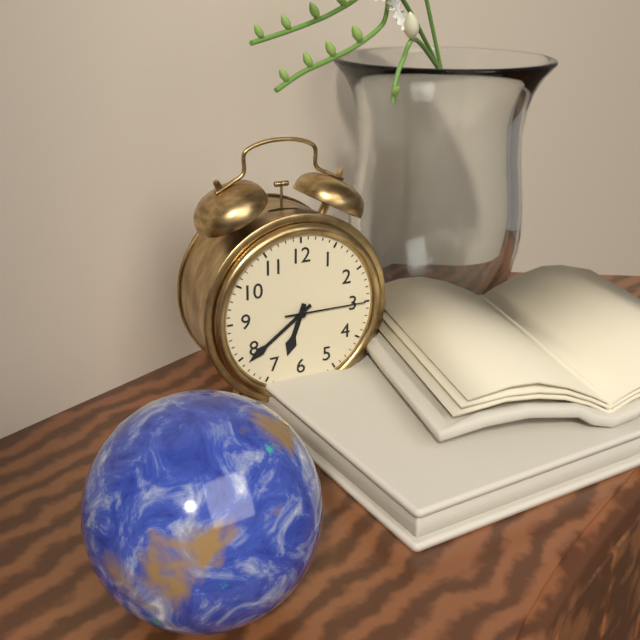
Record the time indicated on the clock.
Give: 6:39:15
